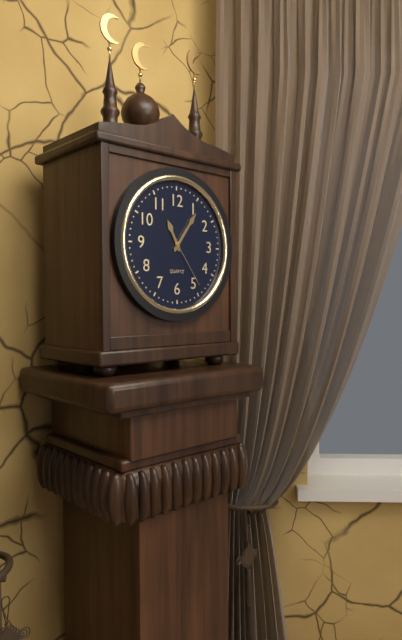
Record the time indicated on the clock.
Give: 11:06:24
